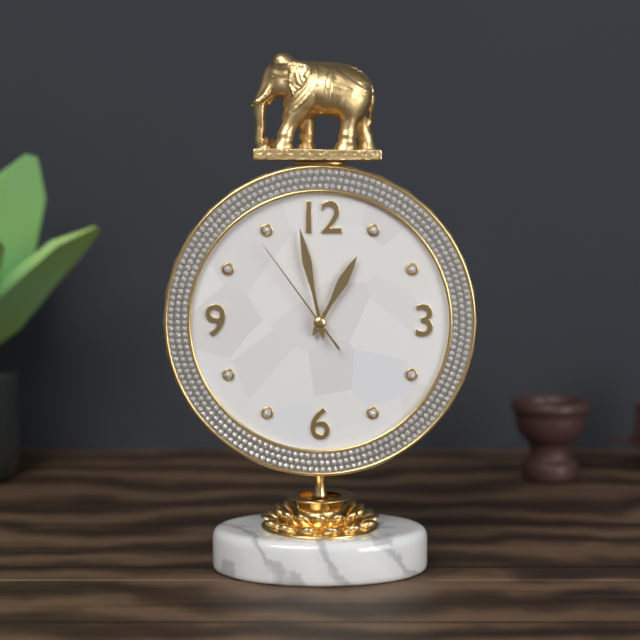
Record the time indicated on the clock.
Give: 12:58:54
